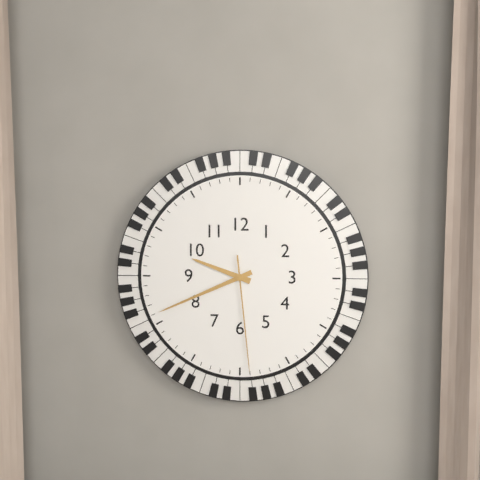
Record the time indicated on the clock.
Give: 9:41:29
